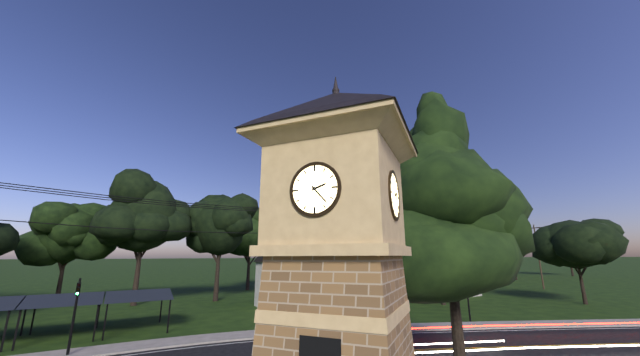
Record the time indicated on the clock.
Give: 2:23
